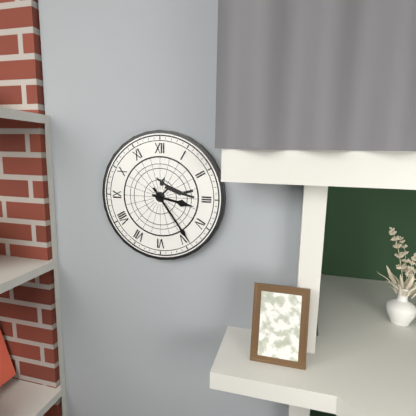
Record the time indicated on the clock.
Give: 3:24
